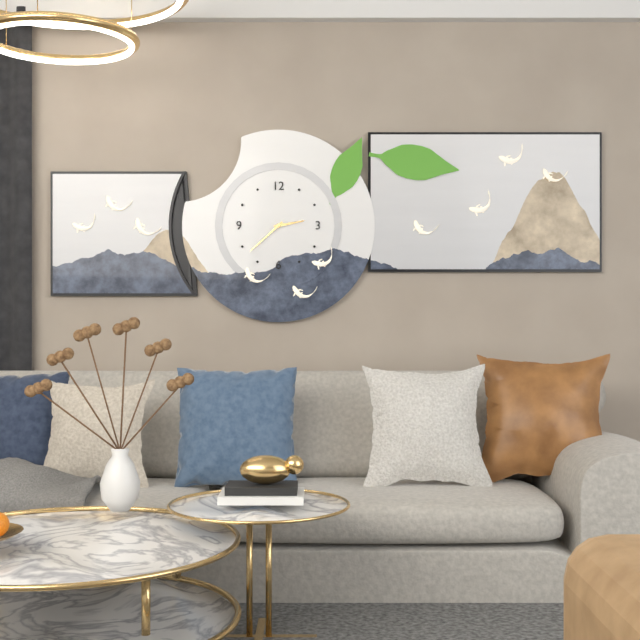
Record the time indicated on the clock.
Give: 2:38
